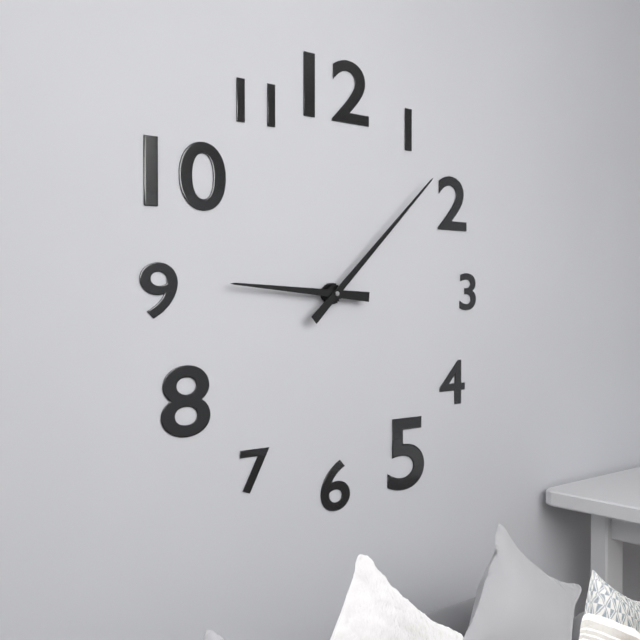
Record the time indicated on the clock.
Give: 9:08
